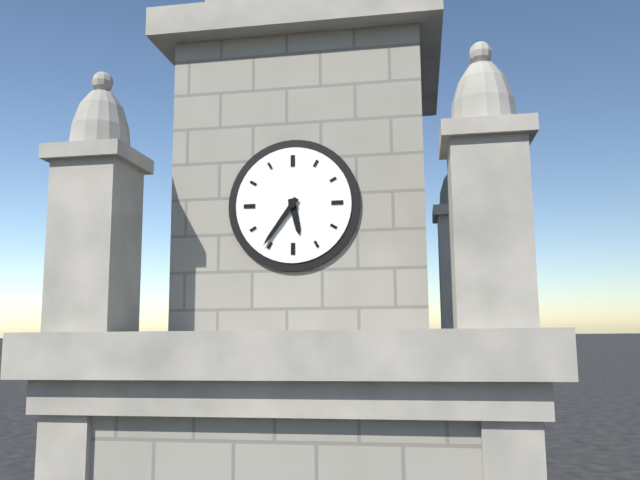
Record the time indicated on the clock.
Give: 5:36
